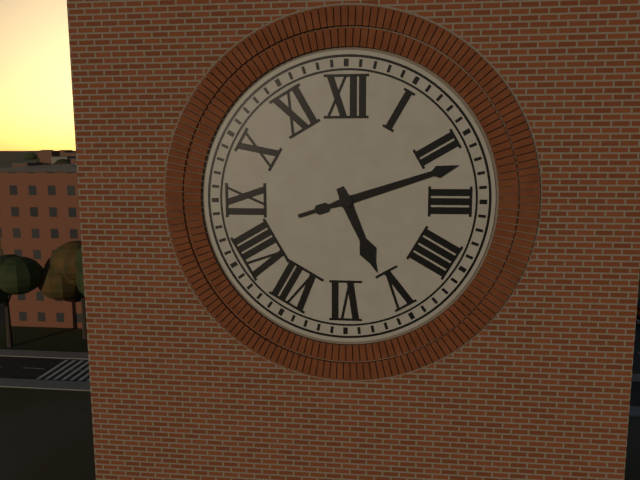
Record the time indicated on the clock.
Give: 5:12
